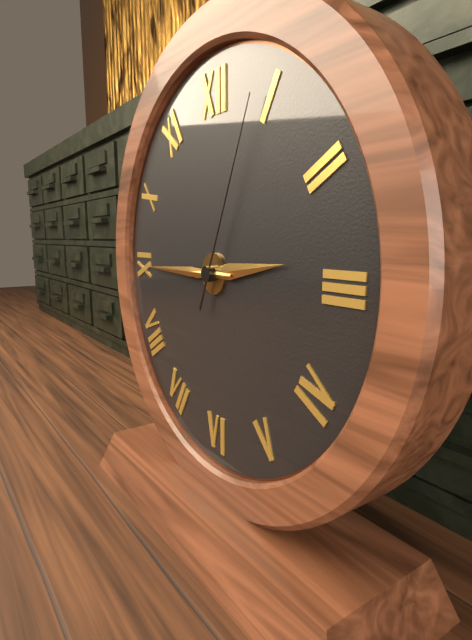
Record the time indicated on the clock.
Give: 2:45:04
